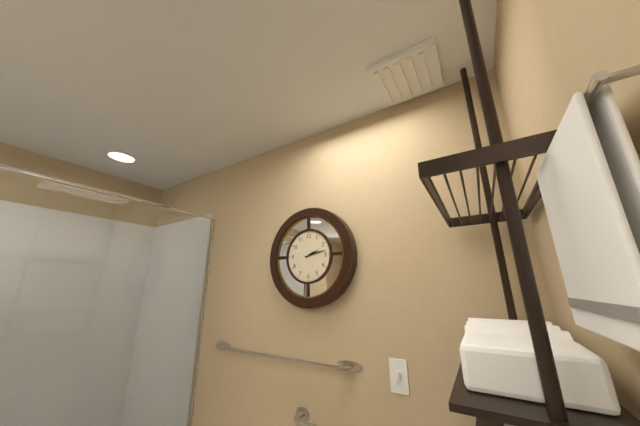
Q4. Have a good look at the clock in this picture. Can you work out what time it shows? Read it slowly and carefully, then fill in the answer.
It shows 2:13
